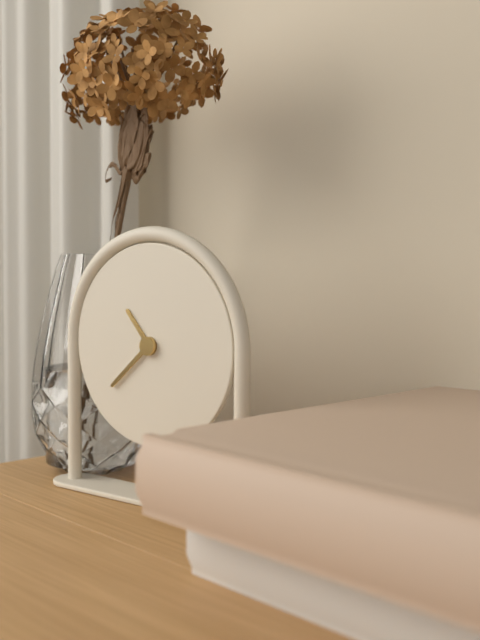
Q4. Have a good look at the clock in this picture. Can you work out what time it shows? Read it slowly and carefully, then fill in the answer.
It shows 10:38
